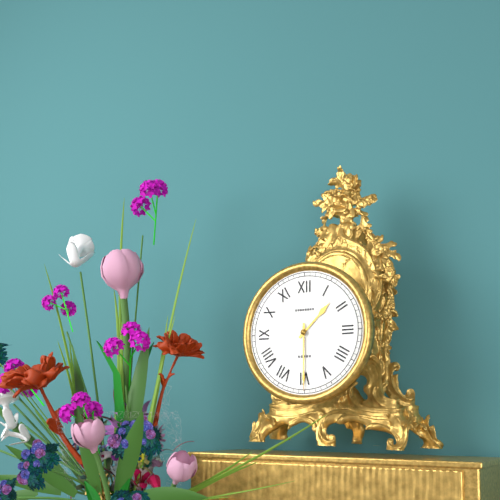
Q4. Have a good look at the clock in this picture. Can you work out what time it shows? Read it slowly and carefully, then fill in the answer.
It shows 1:30
